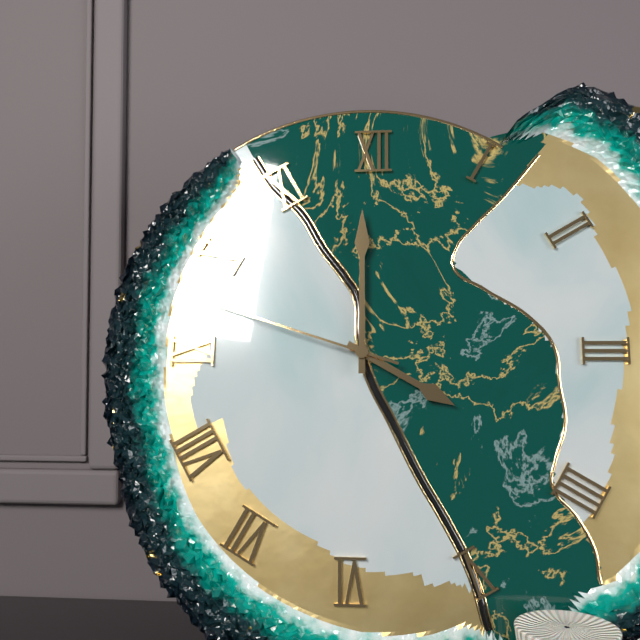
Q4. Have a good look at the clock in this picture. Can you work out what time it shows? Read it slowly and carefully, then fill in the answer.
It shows 4:00:48
